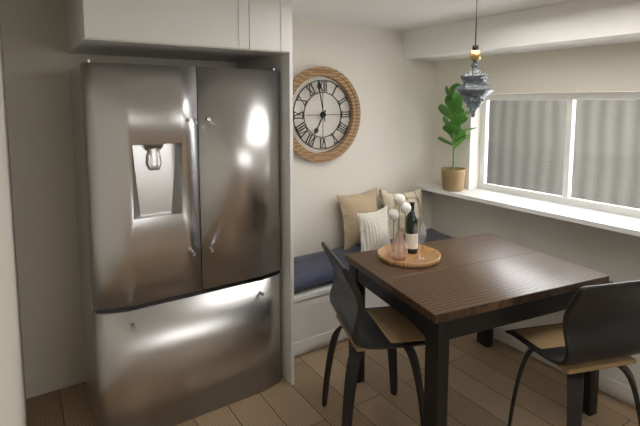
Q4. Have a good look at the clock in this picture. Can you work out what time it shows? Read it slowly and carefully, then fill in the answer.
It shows 6:58
